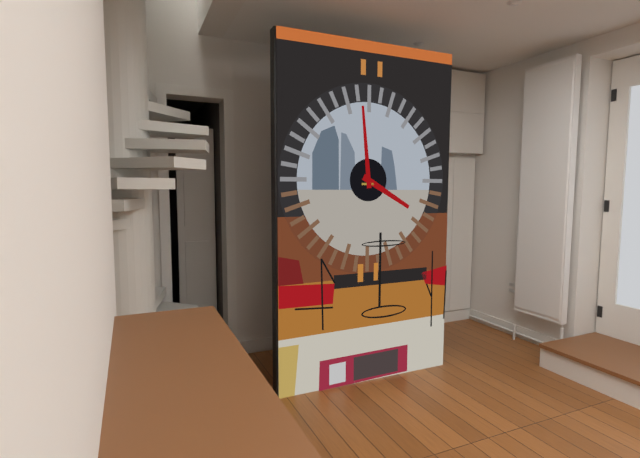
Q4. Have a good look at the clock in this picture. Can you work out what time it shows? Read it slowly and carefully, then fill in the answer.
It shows 3:59
